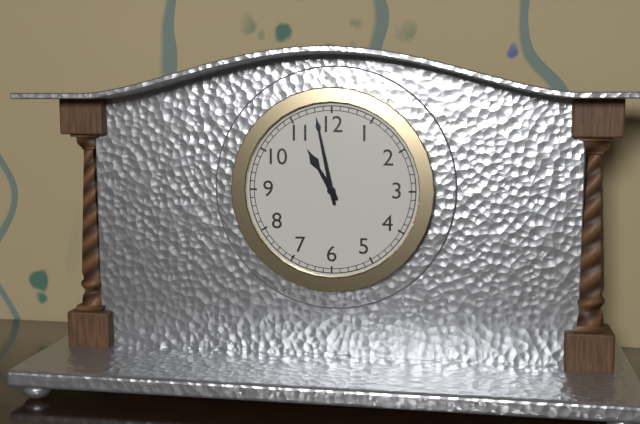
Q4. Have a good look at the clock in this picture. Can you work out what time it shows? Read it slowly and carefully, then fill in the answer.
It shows 10:58
